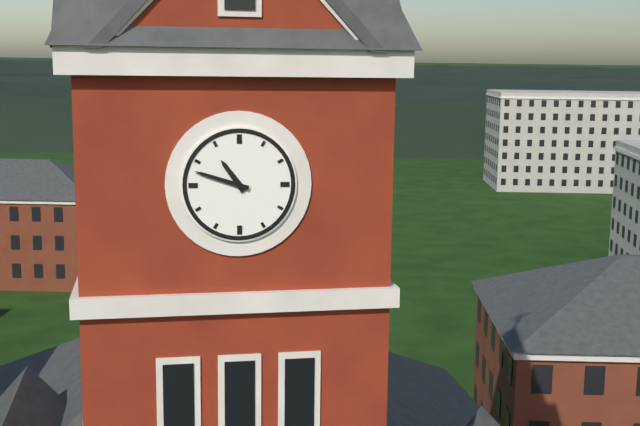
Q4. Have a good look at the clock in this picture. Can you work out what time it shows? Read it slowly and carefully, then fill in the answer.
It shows 10:48
